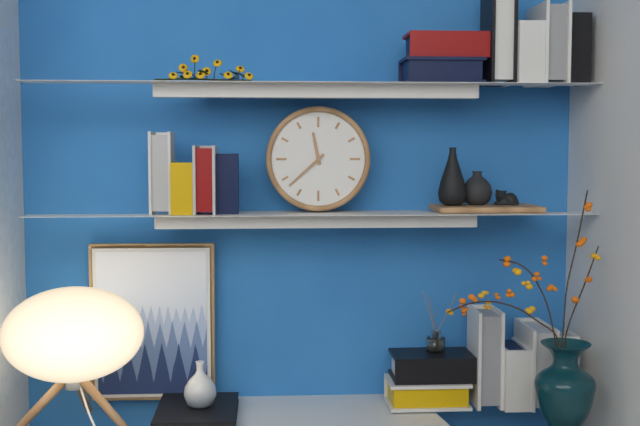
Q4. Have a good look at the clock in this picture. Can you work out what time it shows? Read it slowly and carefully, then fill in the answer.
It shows 11:38
